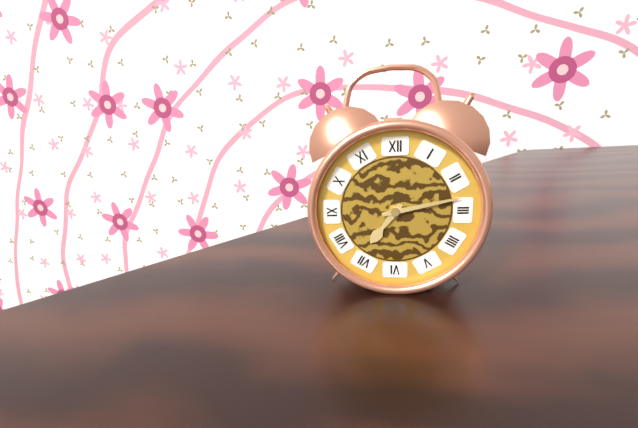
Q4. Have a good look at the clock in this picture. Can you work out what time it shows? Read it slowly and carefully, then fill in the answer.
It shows 7:13
